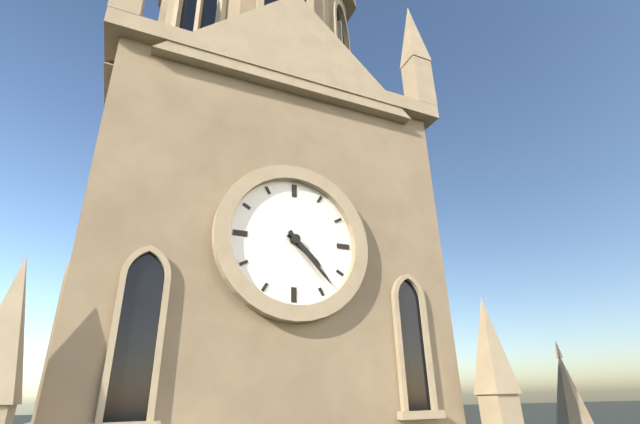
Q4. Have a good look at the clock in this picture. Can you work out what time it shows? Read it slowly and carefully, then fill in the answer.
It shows 4:23
